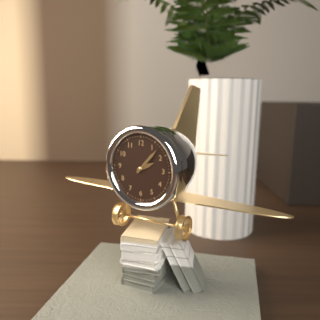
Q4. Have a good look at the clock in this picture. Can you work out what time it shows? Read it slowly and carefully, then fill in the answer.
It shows 2:07
